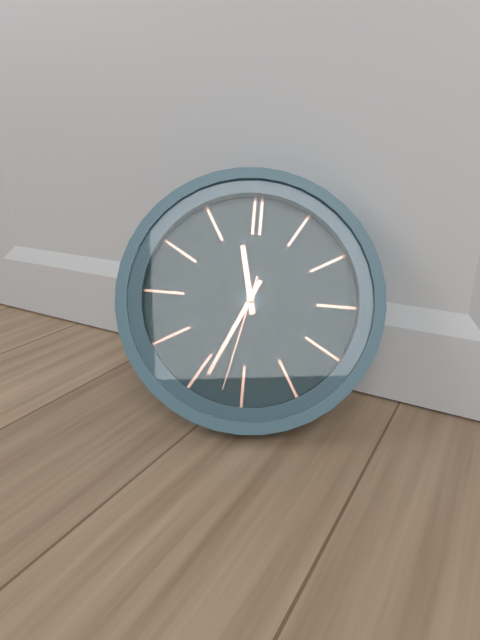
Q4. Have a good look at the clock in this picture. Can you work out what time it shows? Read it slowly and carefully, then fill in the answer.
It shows 11:34:32
